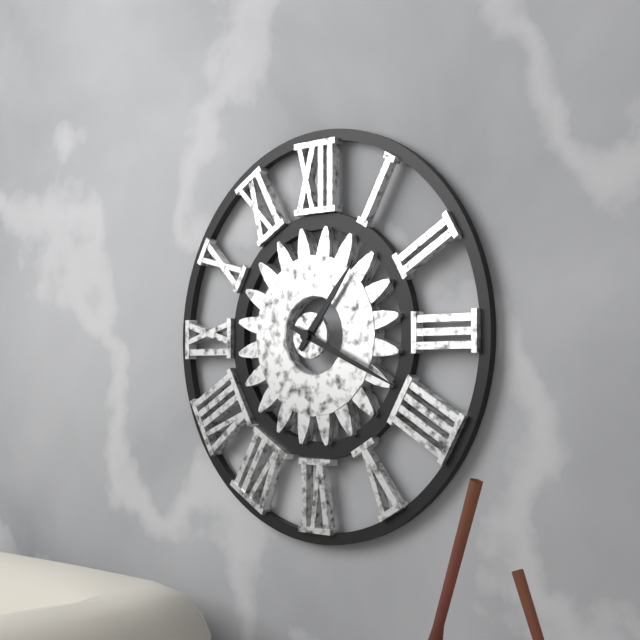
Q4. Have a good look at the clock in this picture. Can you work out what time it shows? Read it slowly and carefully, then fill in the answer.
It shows 1:19
